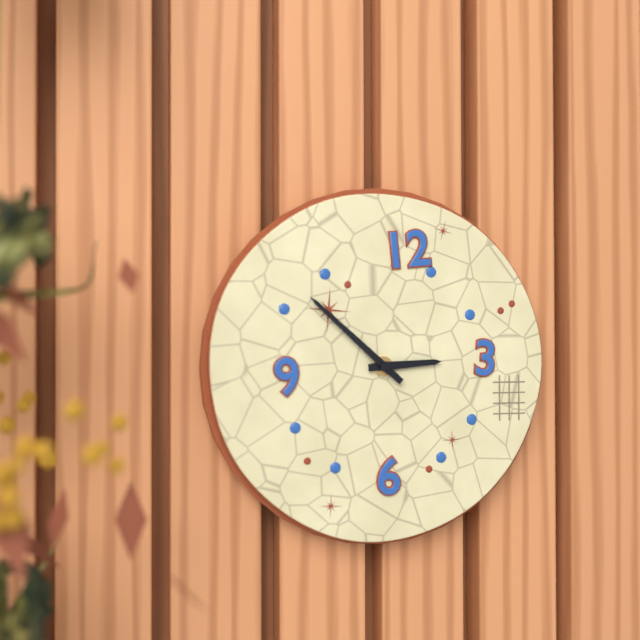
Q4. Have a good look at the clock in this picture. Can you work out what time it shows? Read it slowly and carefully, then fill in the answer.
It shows 2:52
